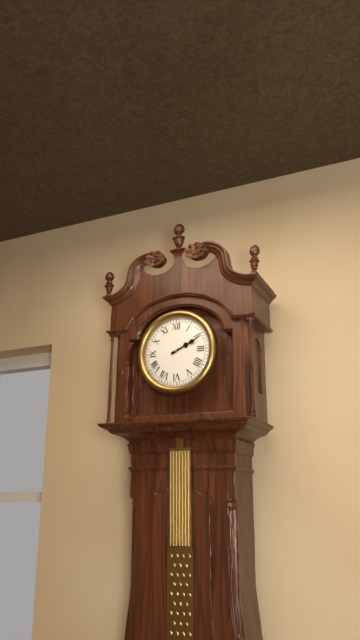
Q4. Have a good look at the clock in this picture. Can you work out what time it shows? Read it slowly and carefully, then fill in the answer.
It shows 2:11
